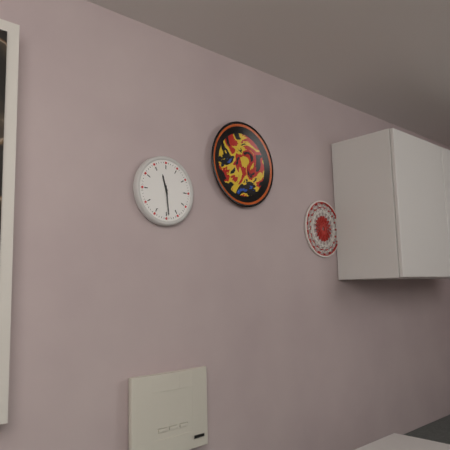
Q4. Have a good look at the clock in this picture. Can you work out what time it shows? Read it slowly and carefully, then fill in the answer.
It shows 11:29
